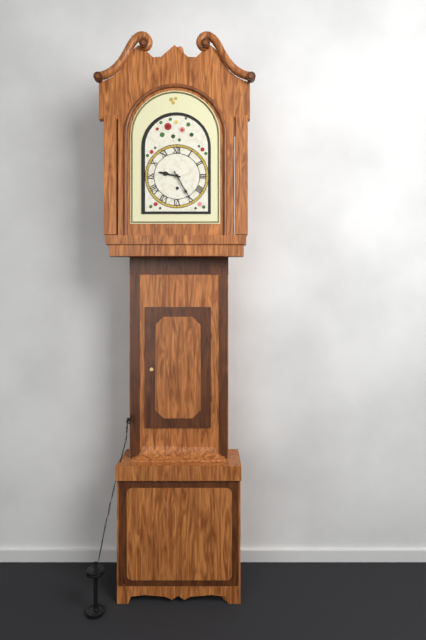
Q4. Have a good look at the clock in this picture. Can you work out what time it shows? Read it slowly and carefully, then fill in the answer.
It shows 9:25
